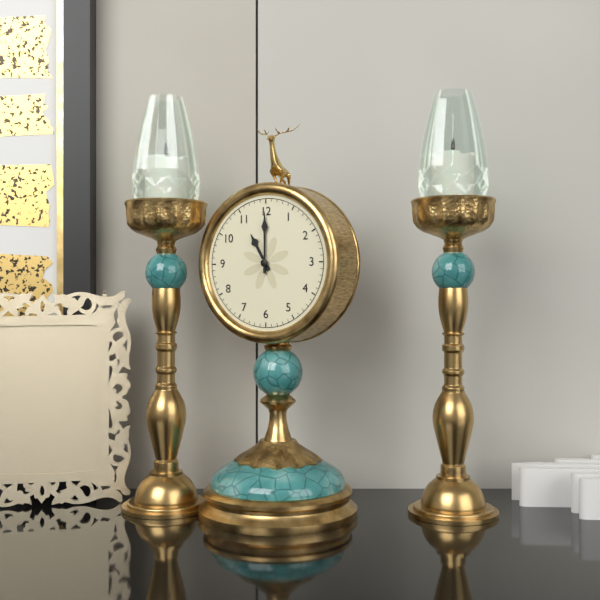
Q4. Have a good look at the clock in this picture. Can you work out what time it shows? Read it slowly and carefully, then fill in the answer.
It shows 11:00
